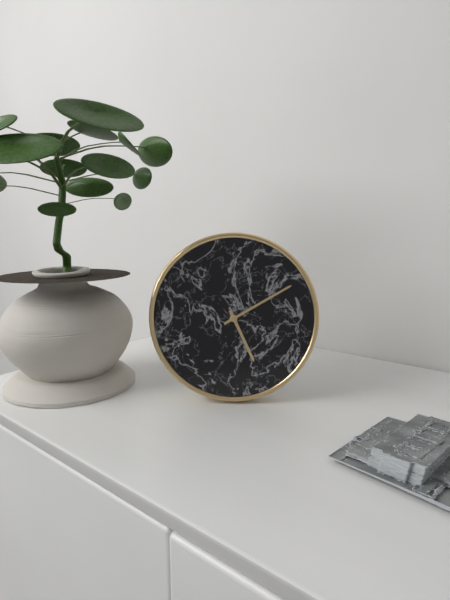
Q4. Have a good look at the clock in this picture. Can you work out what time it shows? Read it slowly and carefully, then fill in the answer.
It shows 5:10
